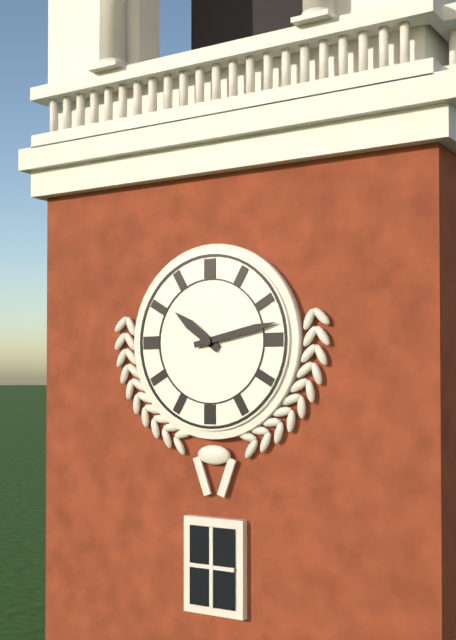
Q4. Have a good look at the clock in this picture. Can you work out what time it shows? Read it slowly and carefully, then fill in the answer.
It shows 10:13
